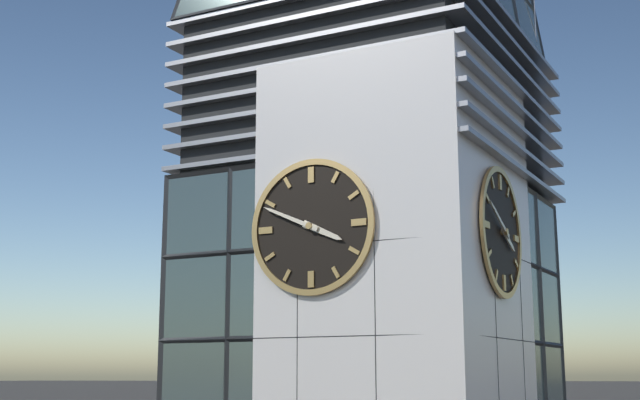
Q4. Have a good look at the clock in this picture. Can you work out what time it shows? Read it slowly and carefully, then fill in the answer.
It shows 3:49
